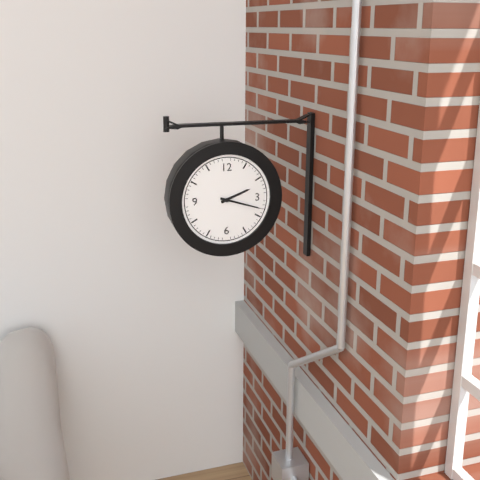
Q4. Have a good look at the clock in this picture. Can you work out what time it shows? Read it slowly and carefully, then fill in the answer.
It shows 2:18
